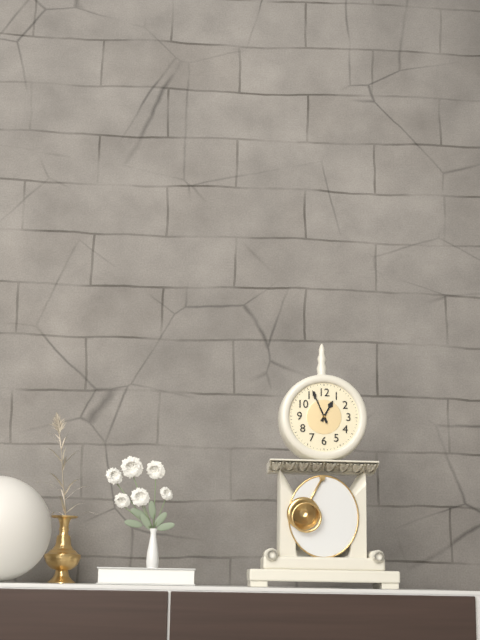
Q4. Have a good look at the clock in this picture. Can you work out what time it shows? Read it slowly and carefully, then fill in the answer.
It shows 12:56
